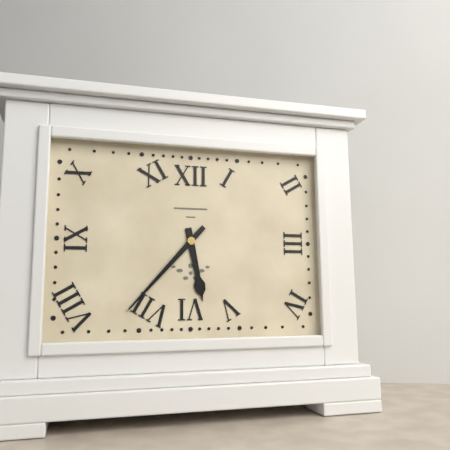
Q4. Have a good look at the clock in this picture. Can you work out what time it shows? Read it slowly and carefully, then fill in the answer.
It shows 5:37
